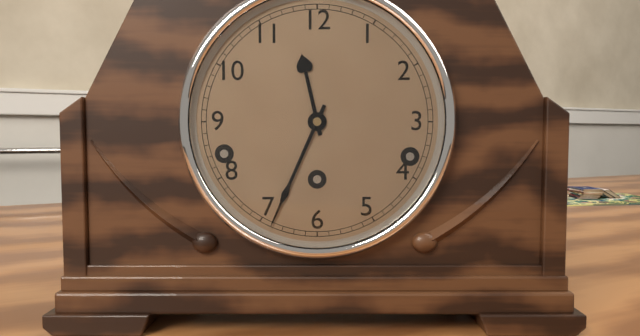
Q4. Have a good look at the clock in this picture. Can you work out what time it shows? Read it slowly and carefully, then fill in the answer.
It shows 11:34
